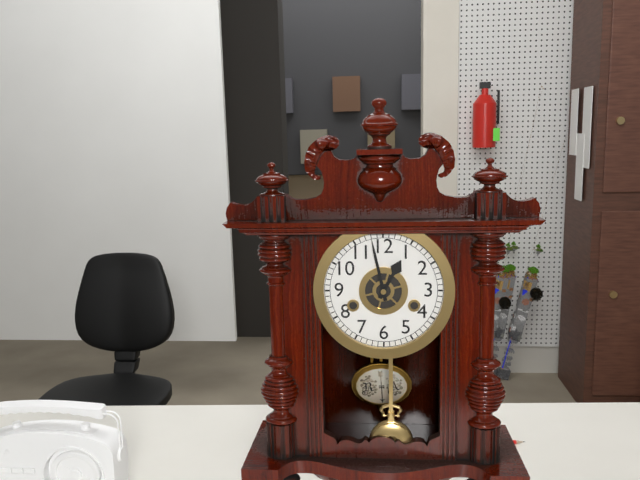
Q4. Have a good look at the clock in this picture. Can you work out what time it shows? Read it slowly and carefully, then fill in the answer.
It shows 12:58
